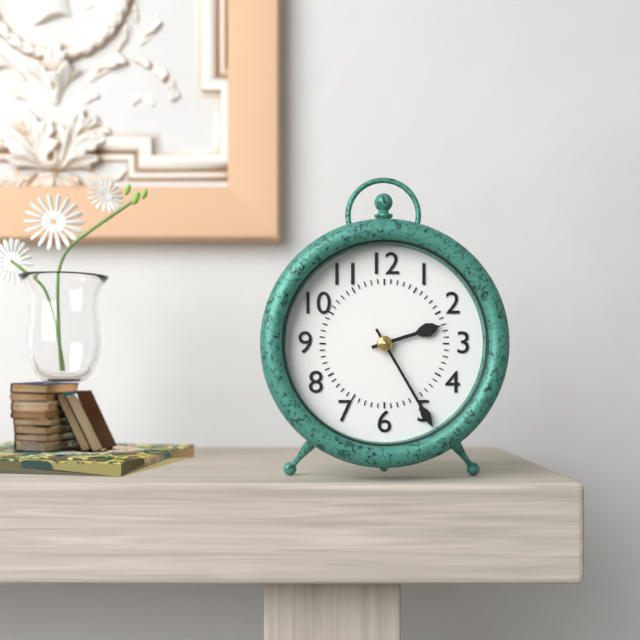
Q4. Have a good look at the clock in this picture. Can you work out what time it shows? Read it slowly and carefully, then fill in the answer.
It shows 2:25
